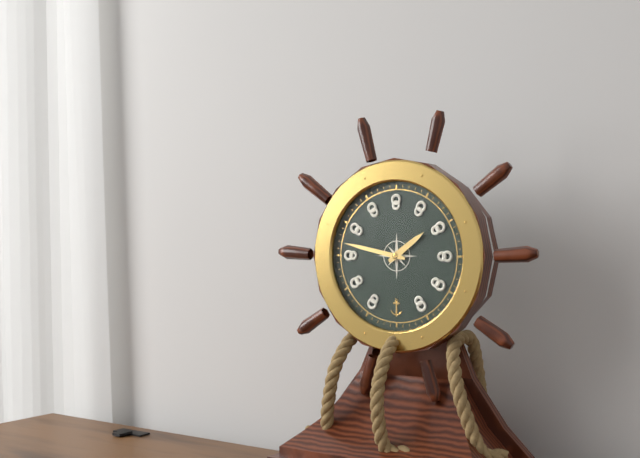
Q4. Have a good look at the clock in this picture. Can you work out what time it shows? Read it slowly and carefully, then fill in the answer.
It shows 1:47
